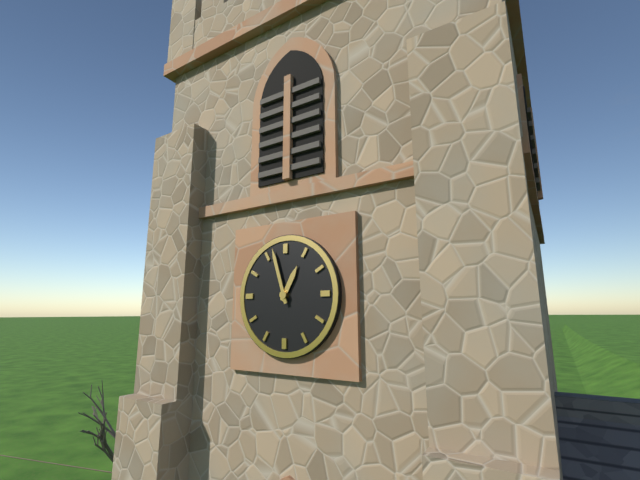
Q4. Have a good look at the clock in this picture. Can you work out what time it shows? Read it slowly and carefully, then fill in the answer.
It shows 12:57
